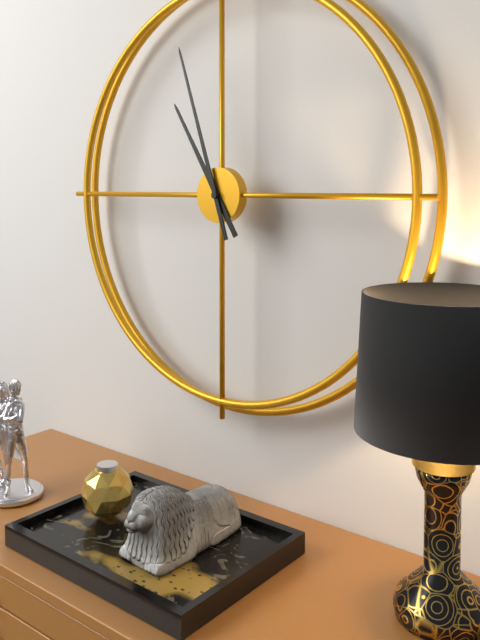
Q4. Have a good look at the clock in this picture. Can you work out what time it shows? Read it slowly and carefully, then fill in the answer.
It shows 10:57
